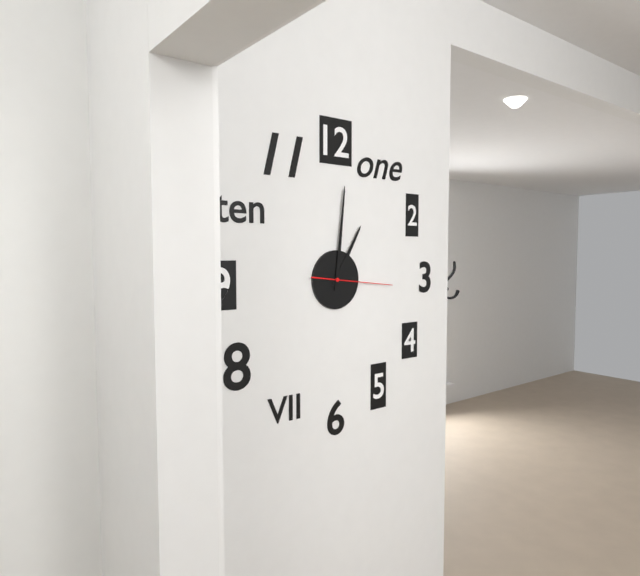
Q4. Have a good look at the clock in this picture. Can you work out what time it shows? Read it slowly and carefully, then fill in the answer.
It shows 1:01:16
